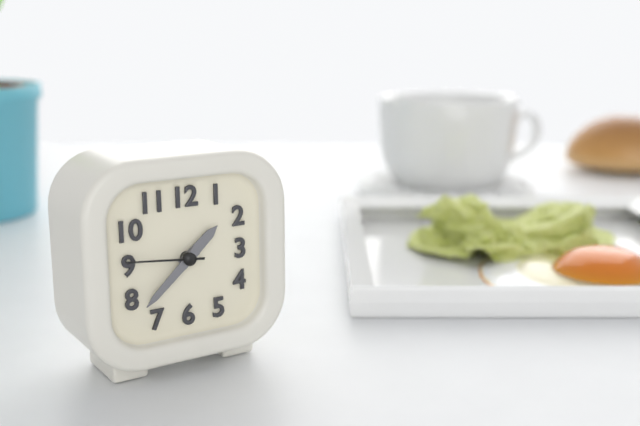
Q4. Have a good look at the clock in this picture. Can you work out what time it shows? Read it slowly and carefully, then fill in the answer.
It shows 1:38:46
